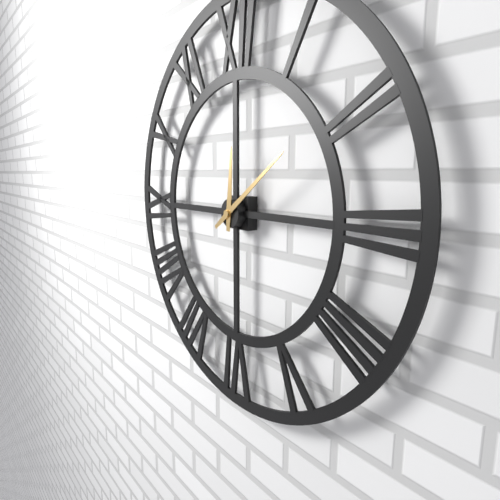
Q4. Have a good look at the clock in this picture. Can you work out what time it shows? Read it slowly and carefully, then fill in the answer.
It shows 12:09
